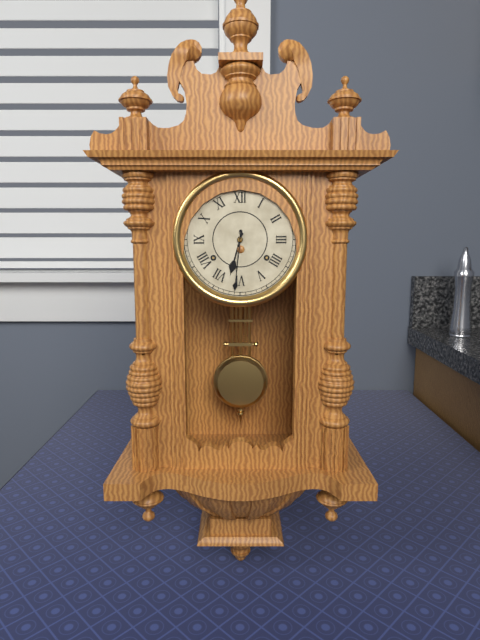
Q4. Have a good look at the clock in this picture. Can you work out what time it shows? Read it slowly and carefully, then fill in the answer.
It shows 6:31
